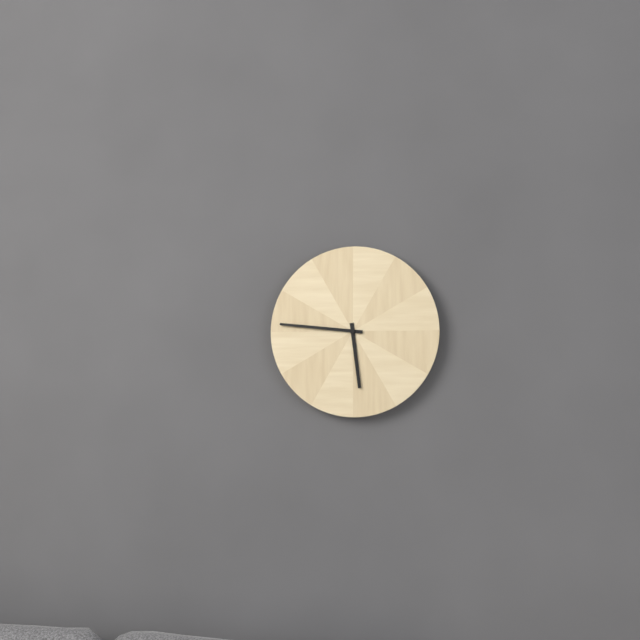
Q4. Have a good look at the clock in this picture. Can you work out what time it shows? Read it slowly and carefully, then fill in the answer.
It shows 5:46
